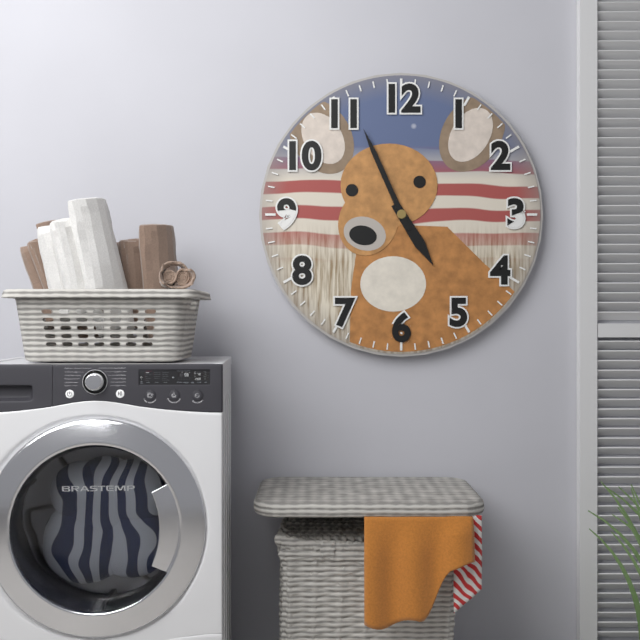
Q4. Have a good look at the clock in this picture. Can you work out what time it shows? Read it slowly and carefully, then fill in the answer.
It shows 4:56
